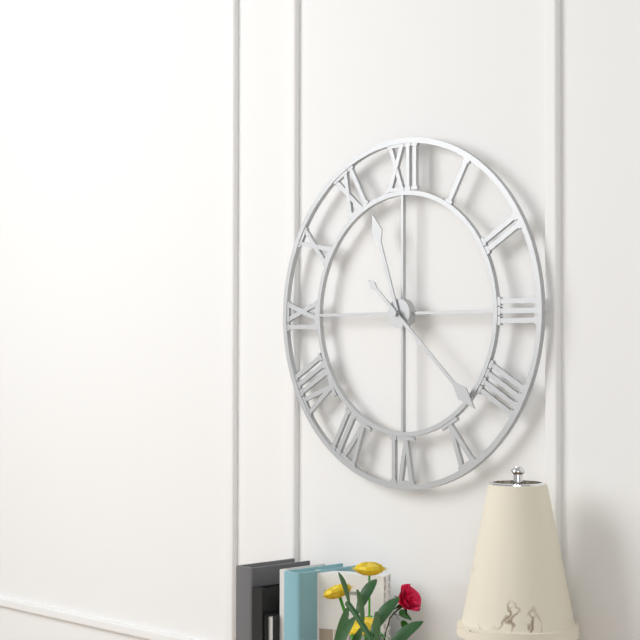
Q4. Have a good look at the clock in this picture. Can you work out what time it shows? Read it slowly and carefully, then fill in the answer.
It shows 11:22
